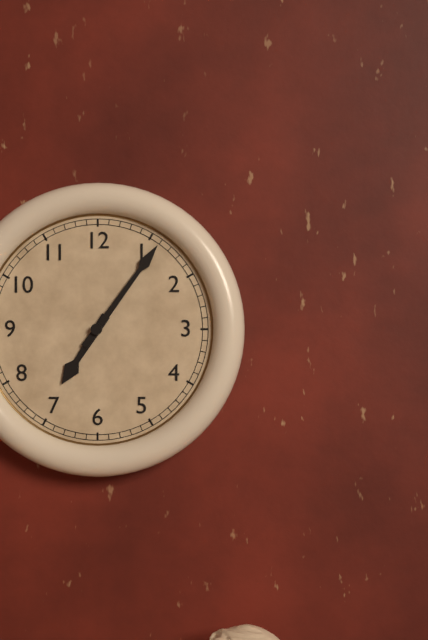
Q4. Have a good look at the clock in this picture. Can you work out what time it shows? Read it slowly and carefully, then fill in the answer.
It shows 7:06
